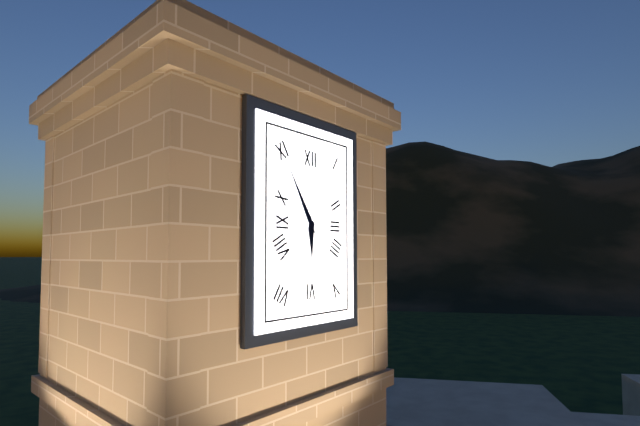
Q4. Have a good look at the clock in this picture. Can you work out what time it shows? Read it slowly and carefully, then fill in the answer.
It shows 5:55
